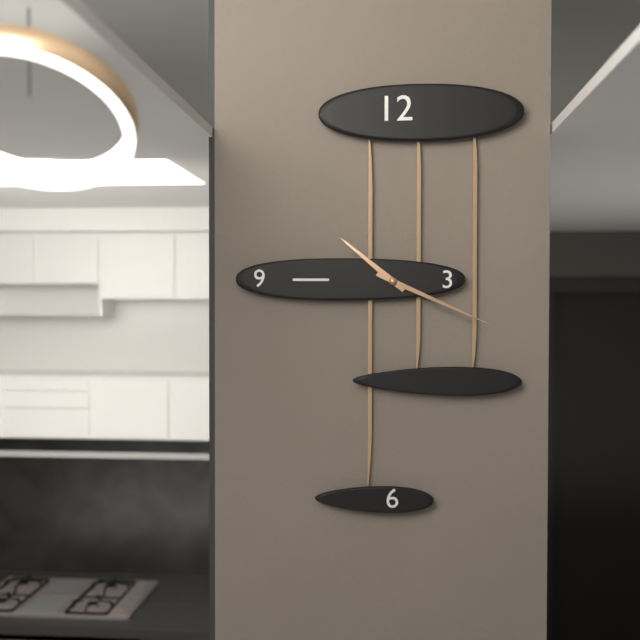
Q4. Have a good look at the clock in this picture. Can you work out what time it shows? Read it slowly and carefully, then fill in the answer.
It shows 10:19
